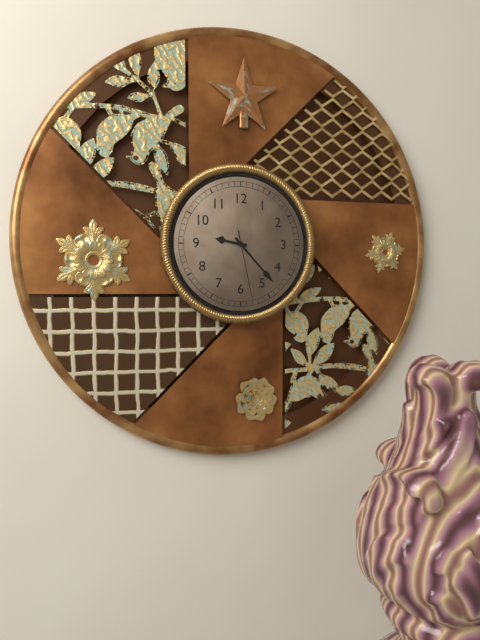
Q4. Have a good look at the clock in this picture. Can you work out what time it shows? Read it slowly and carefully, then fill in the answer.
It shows 9:23:28
